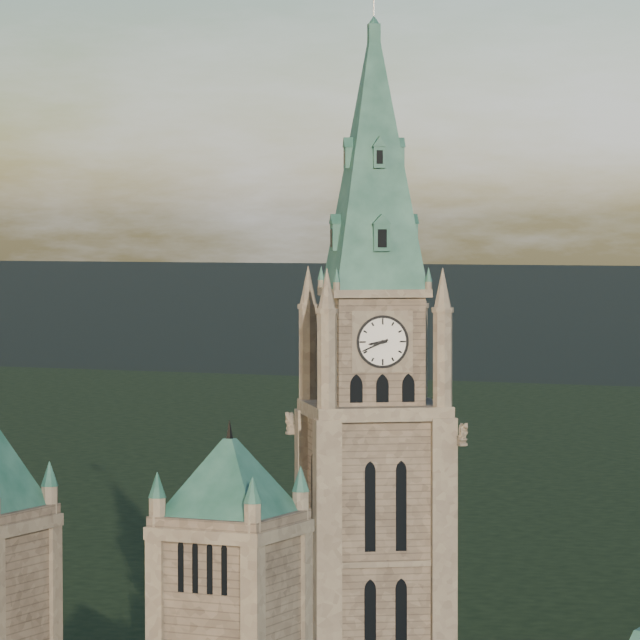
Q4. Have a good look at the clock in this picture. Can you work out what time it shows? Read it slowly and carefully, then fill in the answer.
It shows 8:41
